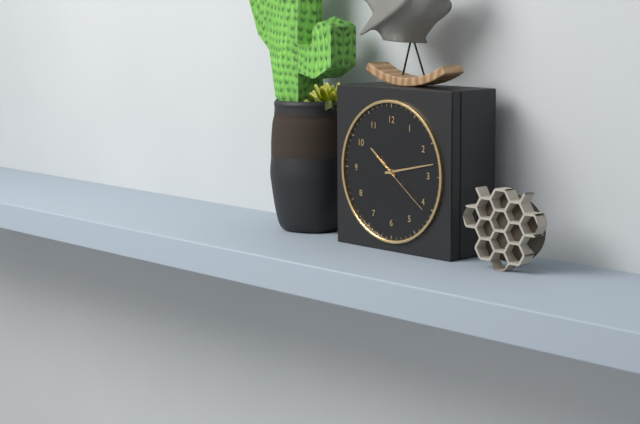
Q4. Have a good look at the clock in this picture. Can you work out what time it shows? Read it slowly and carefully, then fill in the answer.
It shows 10:13:21
